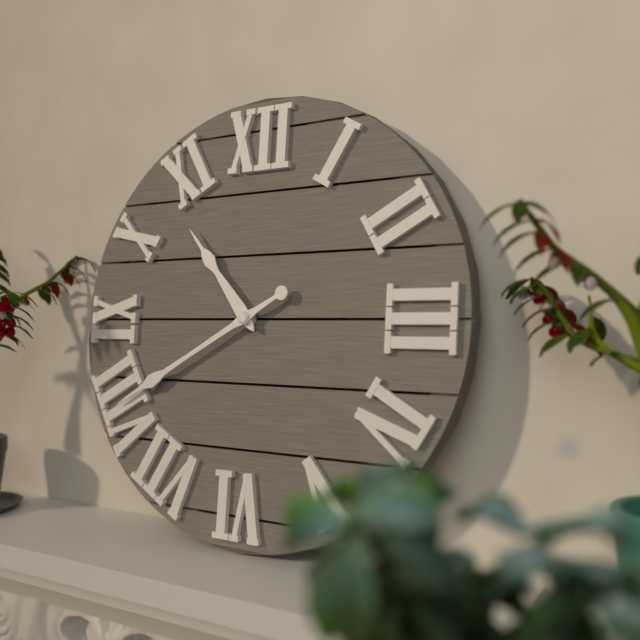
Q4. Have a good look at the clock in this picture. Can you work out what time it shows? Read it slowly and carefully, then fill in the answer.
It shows 10:40
